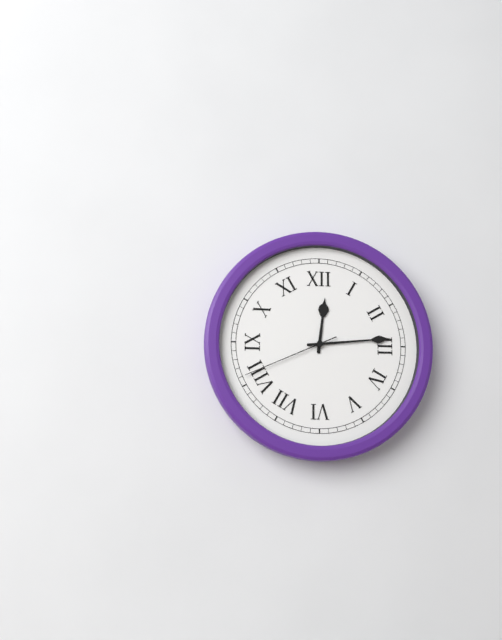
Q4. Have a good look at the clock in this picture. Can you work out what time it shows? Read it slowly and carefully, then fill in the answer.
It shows 12:14:41
